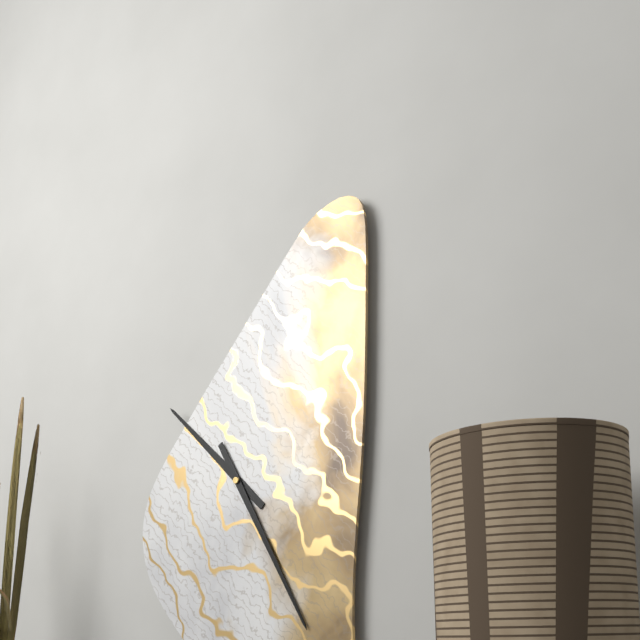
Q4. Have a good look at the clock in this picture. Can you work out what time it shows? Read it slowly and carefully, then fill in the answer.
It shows 10:25
